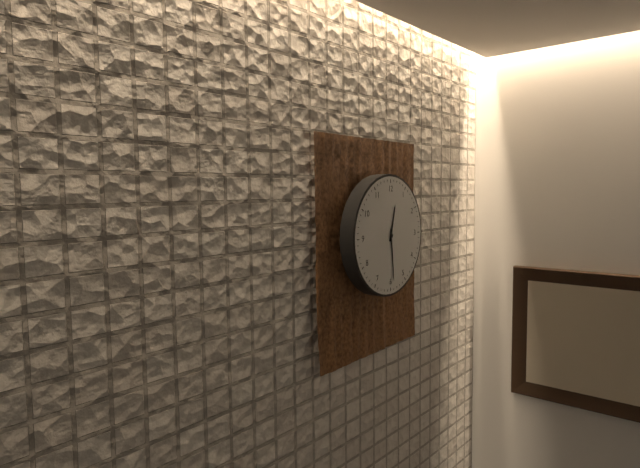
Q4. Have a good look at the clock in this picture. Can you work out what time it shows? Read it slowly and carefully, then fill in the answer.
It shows 12:29
